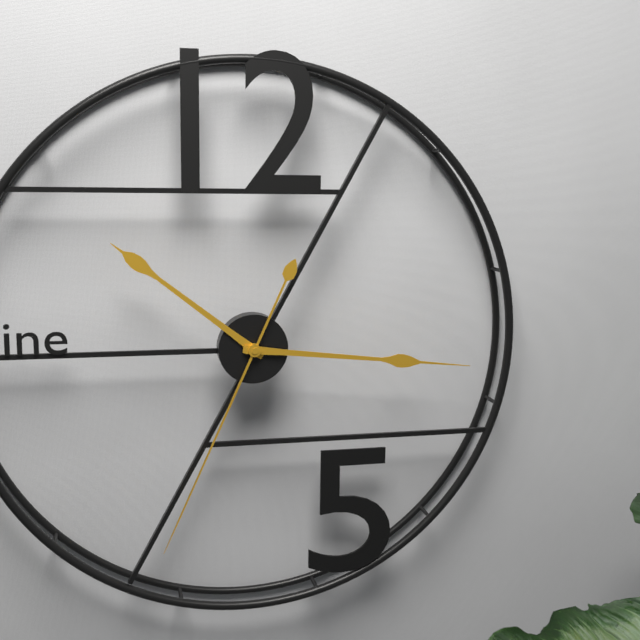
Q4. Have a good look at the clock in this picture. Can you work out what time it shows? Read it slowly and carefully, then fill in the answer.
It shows 10:16:34
